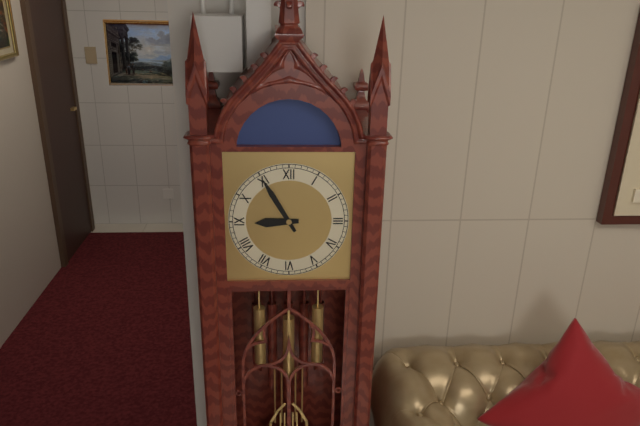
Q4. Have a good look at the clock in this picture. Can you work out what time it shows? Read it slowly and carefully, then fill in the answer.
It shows 8:55
